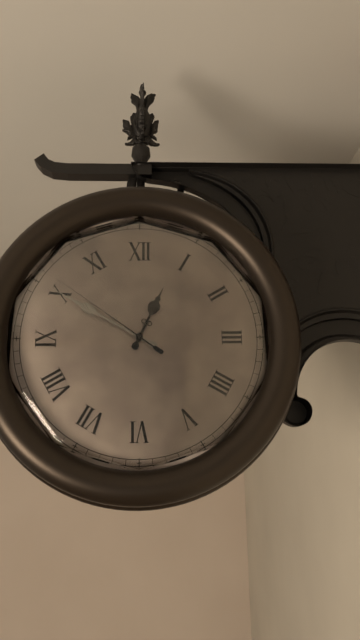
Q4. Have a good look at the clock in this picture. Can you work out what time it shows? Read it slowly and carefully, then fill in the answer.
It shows 12:50:51
